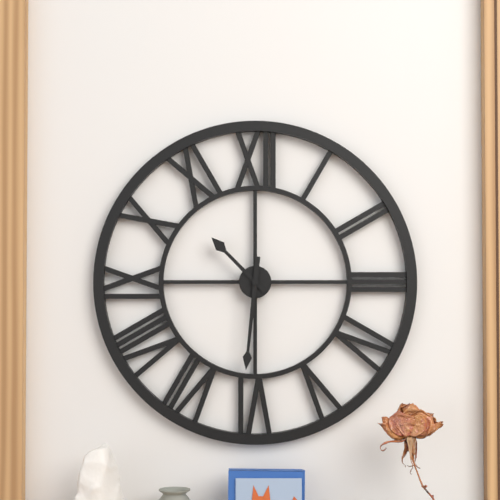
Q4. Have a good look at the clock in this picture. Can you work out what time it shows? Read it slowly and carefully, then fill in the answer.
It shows 10:31
